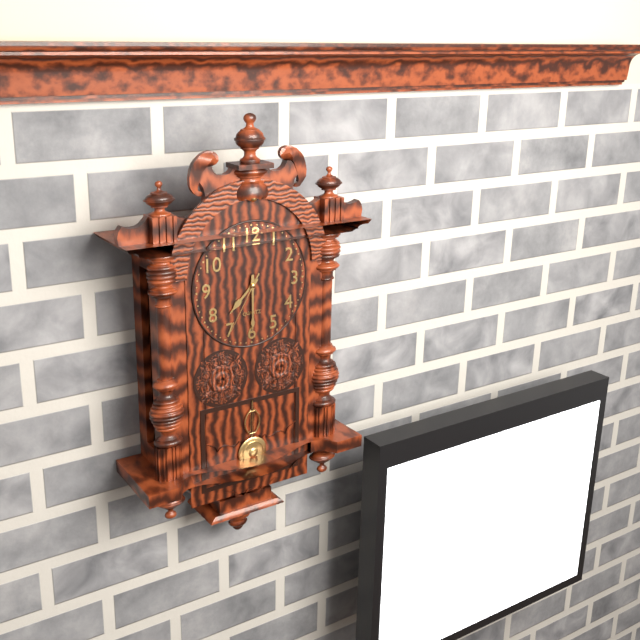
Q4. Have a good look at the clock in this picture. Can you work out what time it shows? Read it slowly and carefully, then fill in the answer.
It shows 7:30:35
